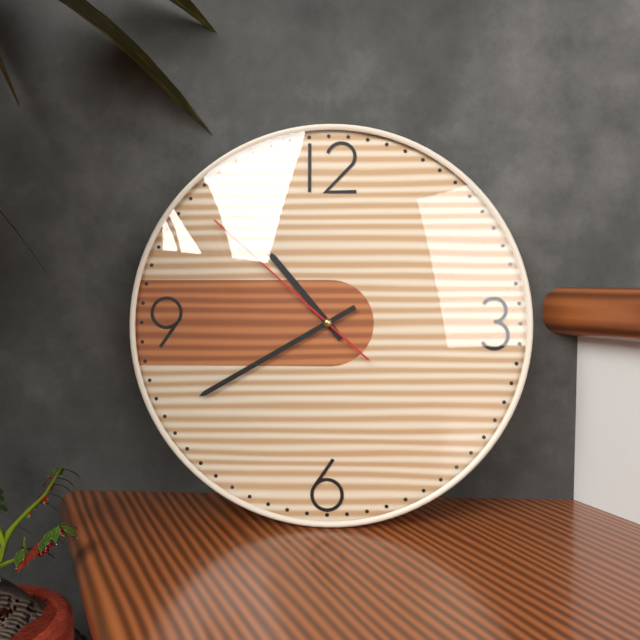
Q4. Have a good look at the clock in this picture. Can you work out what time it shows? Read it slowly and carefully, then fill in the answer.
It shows 10:40:52
